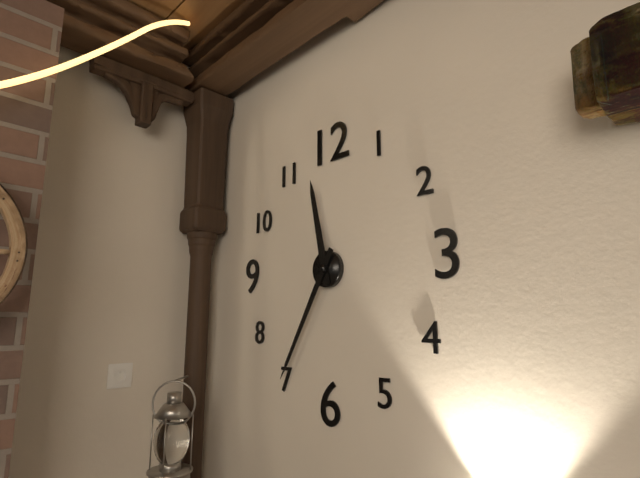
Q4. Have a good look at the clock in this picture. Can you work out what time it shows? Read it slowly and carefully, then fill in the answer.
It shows 11:35
